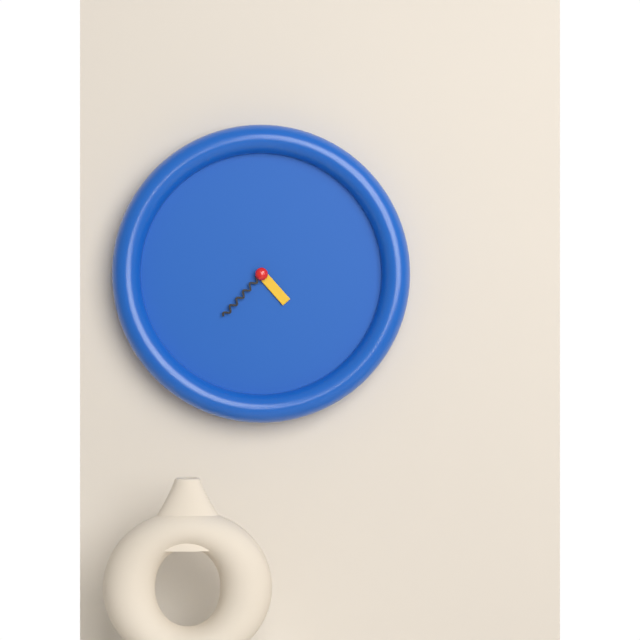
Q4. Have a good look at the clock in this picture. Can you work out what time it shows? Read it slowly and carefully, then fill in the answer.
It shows 4:37
